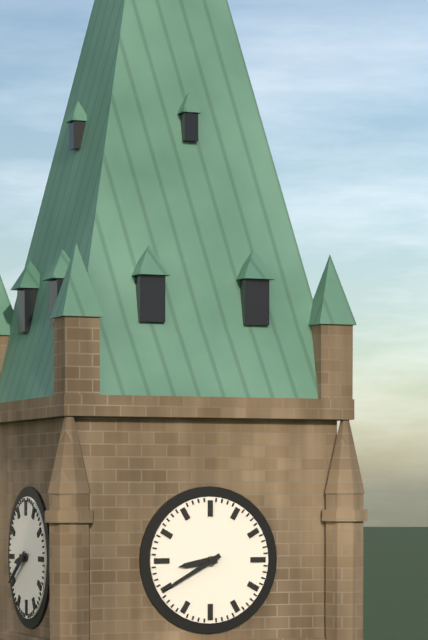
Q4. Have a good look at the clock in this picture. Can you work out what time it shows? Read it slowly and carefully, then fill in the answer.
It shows 8:40
